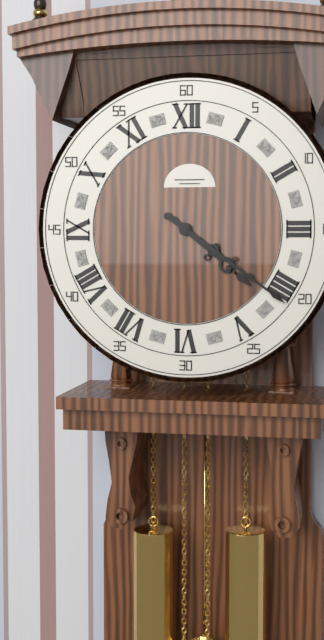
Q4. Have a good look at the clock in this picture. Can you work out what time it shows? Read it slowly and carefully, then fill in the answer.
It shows 4:21
